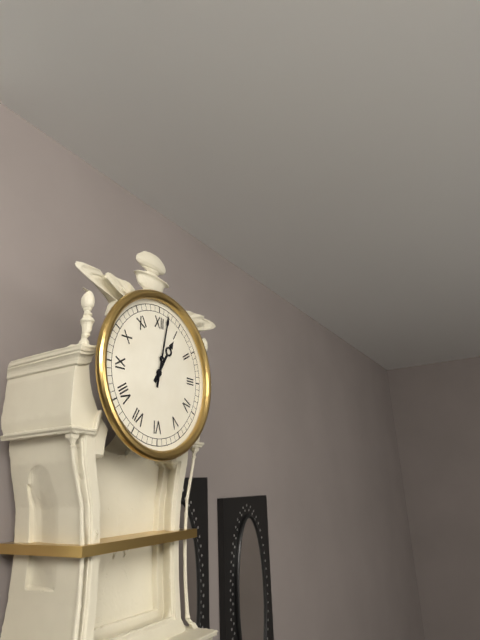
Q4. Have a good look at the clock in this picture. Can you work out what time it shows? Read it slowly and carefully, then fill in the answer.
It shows 1:02
